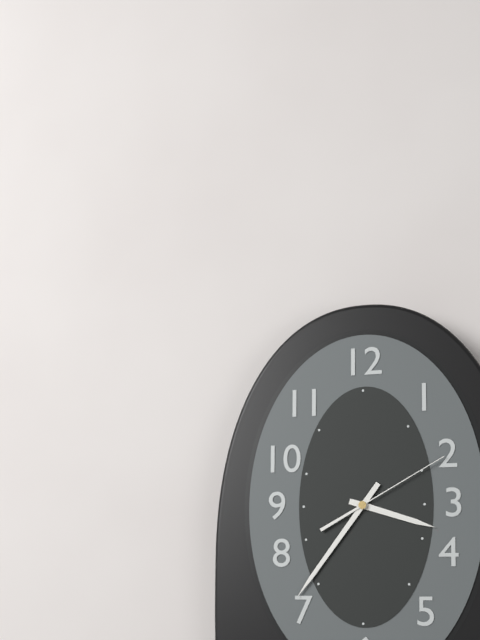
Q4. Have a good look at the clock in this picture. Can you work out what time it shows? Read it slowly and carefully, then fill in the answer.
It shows 3:36:10
